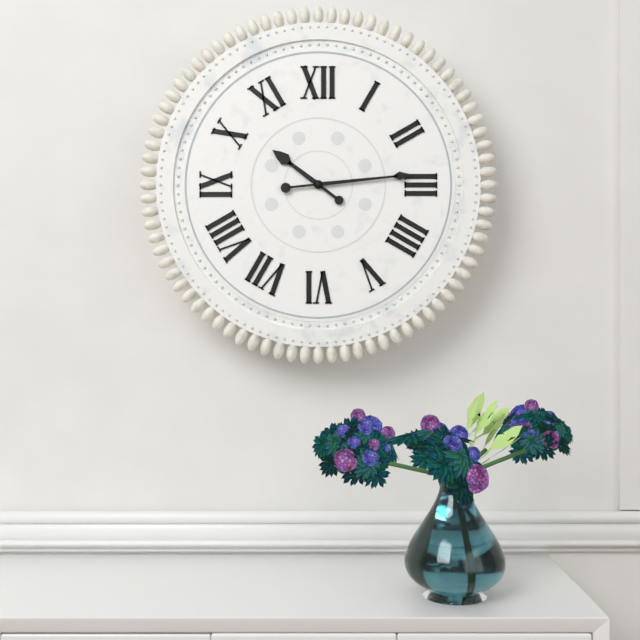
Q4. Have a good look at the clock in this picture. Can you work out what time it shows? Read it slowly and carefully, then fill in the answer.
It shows 10:14
